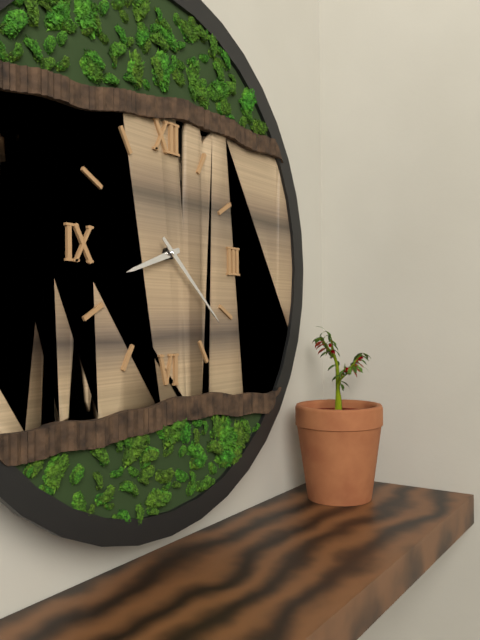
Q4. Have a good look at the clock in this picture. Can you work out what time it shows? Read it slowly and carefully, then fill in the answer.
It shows 8:22
